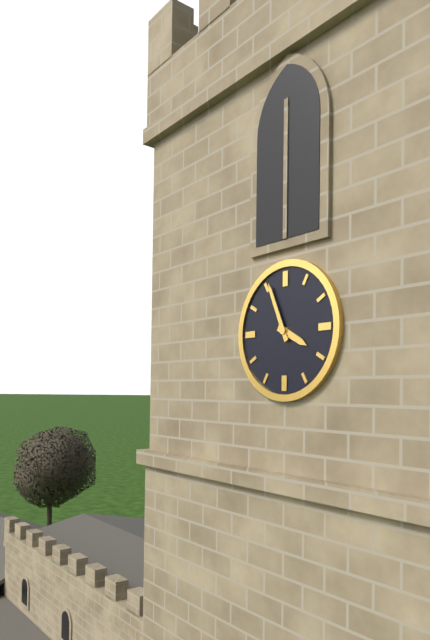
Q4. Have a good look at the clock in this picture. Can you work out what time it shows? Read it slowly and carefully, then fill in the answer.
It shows 3:56
